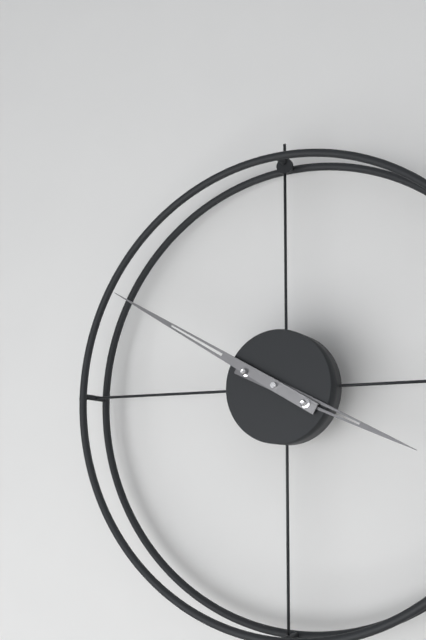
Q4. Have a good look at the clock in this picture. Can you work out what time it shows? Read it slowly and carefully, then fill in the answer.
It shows 3:50
